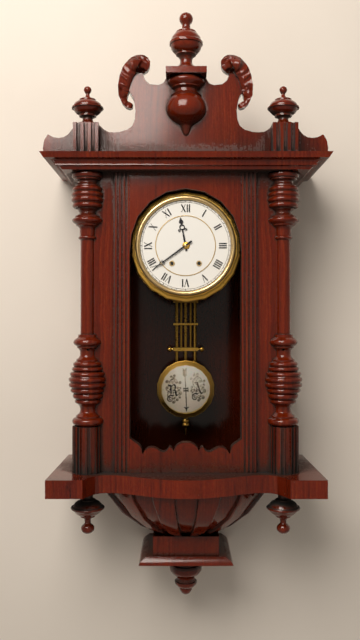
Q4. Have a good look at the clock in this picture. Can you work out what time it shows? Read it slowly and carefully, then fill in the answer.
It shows 11:39
